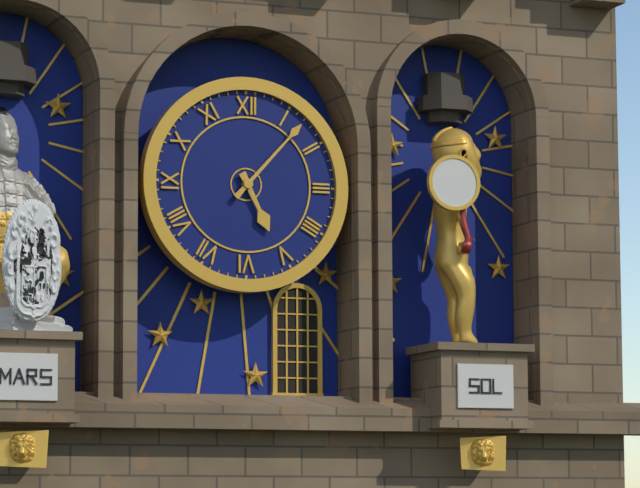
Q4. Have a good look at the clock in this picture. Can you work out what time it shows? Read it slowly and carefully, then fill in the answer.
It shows 5:07
